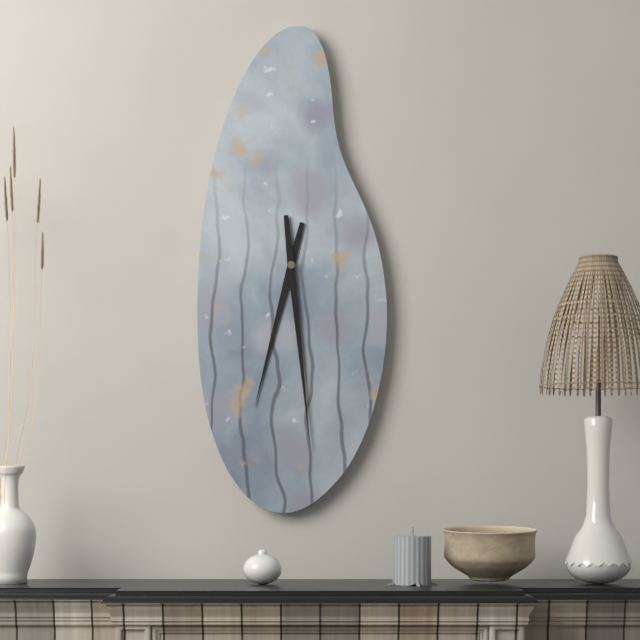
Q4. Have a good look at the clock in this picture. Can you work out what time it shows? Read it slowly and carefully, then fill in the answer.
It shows 6:29
